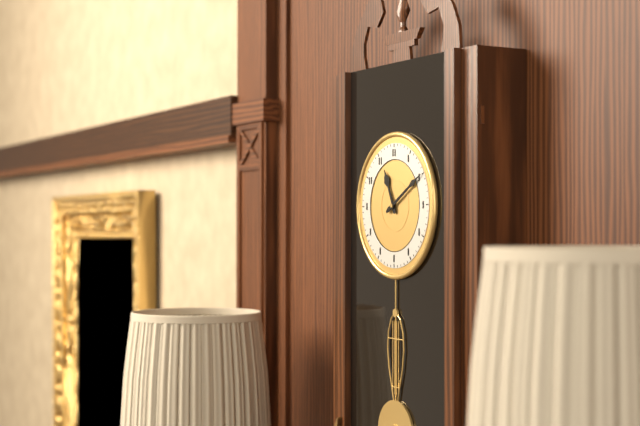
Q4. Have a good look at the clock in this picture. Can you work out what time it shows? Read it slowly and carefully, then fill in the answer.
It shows 11:10
